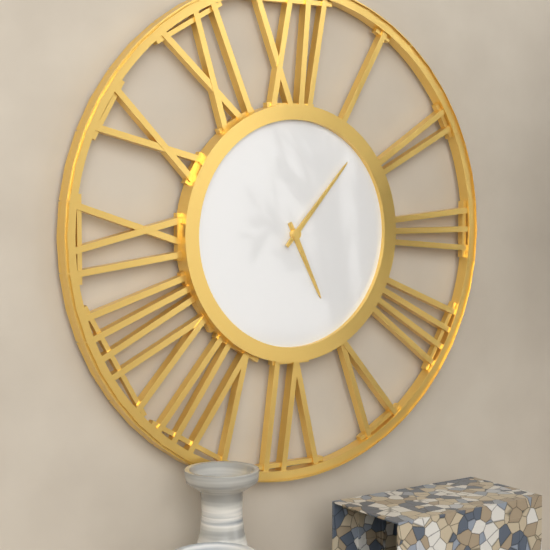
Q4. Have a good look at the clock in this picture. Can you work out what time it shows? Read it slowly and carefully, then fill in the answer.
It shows 5:07
